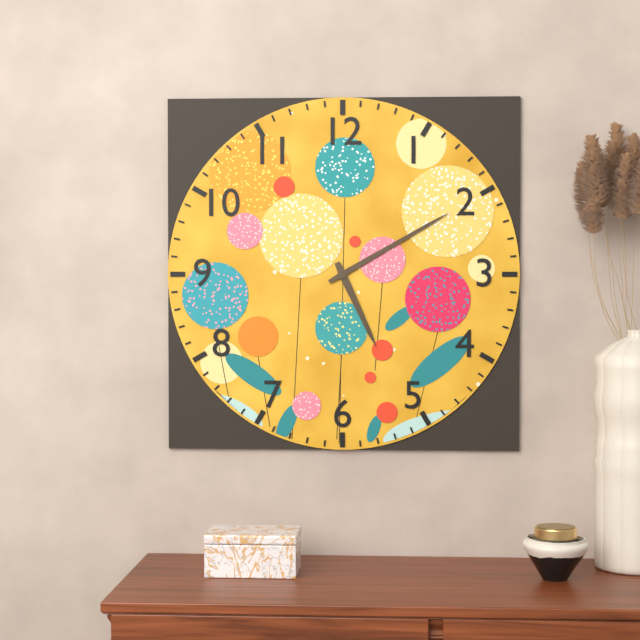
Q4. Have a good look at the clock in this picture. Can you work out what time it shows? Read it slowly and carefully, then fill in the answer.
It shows 5:10
